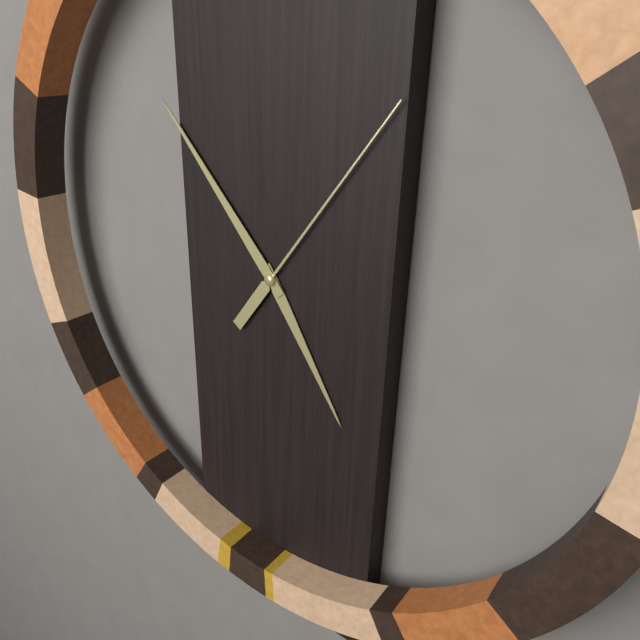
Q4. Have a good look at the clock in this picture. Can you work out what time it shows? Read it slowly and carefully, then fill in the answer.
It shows 4:53:06
